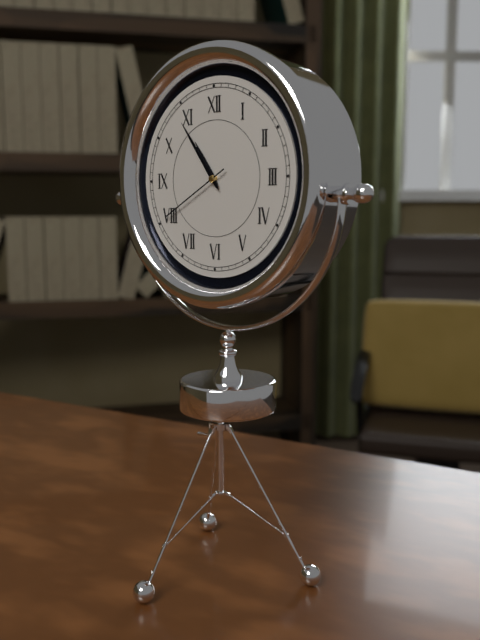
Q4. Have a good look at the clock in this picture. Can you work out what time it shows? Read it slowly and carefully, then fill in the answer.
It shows 10:54:40
